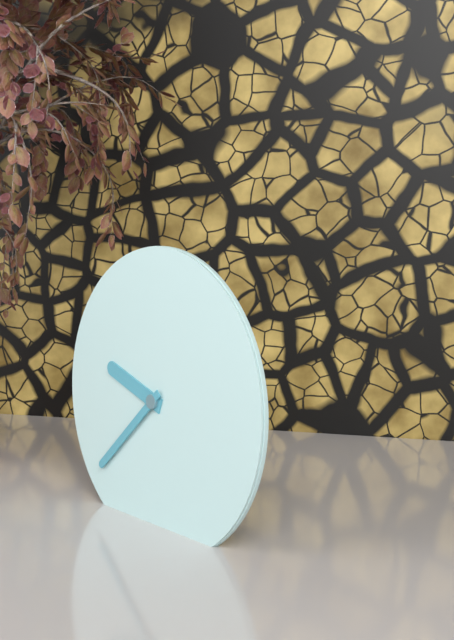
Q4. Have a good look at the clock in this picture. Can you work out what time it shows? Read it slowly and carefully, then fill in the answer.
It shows 9:38
